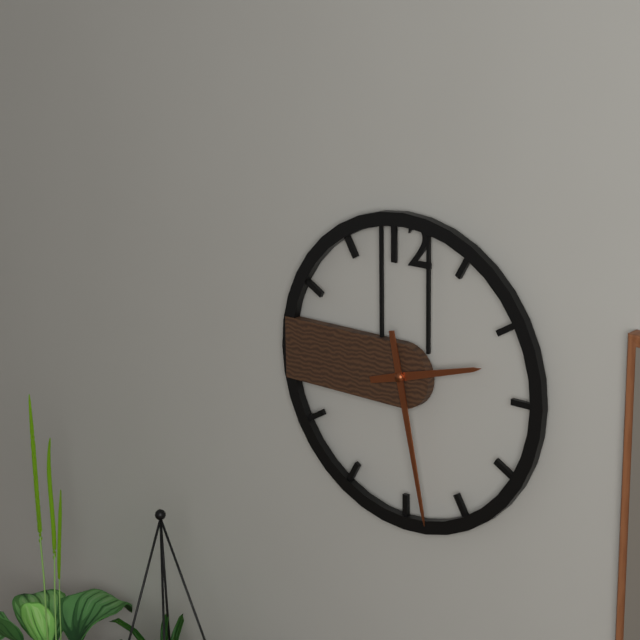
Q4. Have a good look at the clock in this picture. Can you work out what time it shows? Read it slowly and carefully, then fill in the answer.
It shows 2:28
